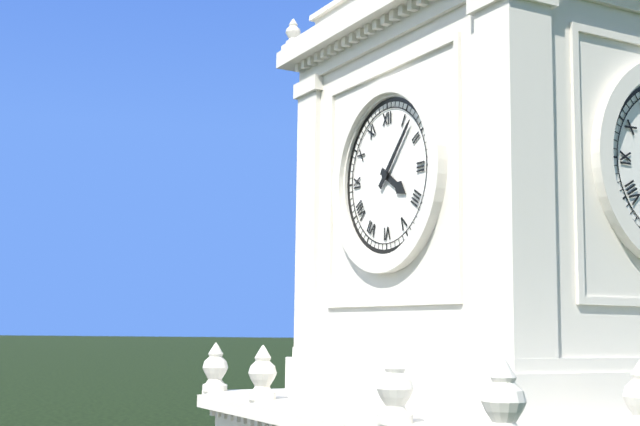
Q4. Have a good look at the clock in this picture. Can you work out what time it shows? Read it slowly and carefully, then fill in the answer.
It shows 4:07
